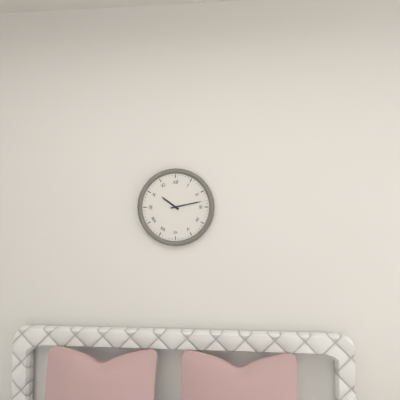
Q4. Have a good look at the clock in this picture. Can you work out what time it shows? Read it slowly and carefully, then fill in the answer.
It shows 10:13
